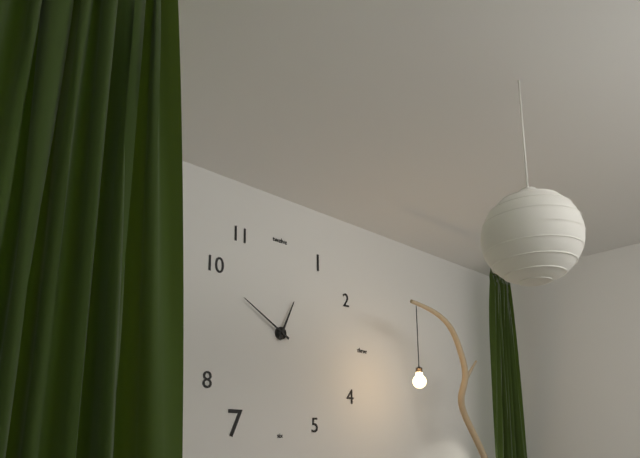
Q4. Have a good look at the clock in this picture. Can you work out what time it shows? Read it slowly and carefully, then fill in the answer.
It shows 12:50
